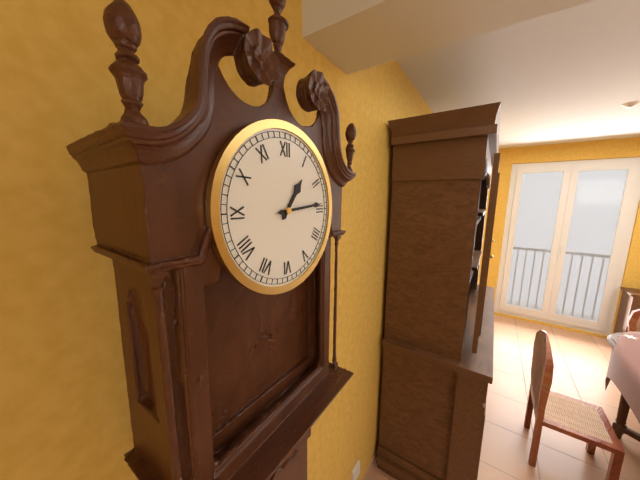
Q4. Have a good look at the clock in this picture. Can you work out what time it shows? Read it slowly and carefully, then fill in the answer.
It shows 1:14
